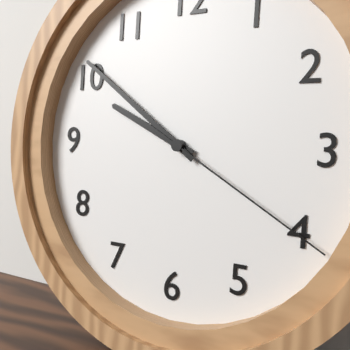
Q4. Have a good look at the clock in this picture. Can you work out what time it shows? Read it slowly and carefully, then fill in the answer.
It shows 9:51:20
